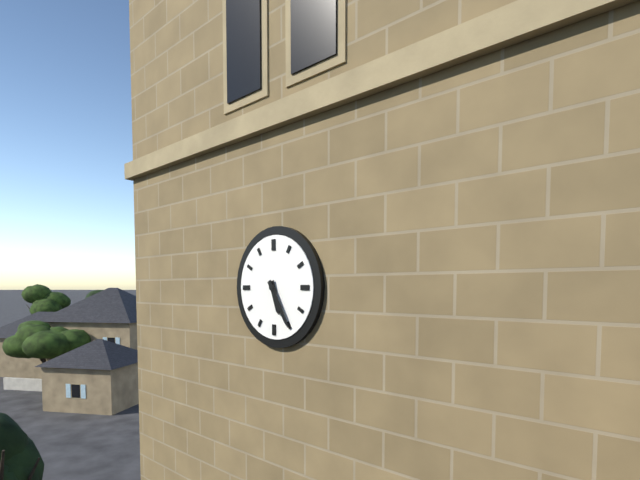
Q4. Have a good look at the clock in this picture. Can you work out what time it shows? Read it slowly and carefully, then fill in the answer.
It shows 5:25
